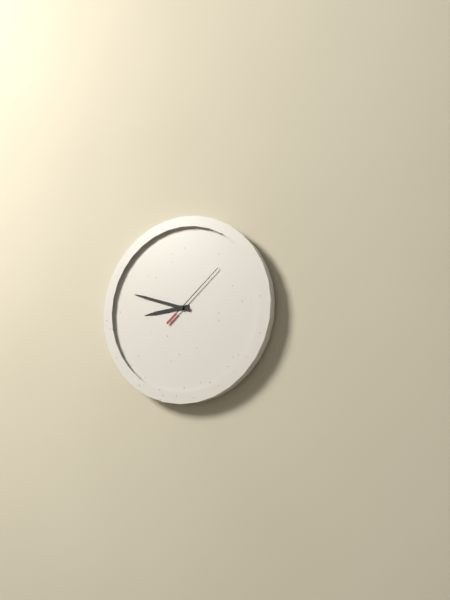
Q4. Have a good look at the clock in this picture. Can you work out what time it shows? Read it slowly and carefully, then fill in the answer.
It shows 8:48:08
